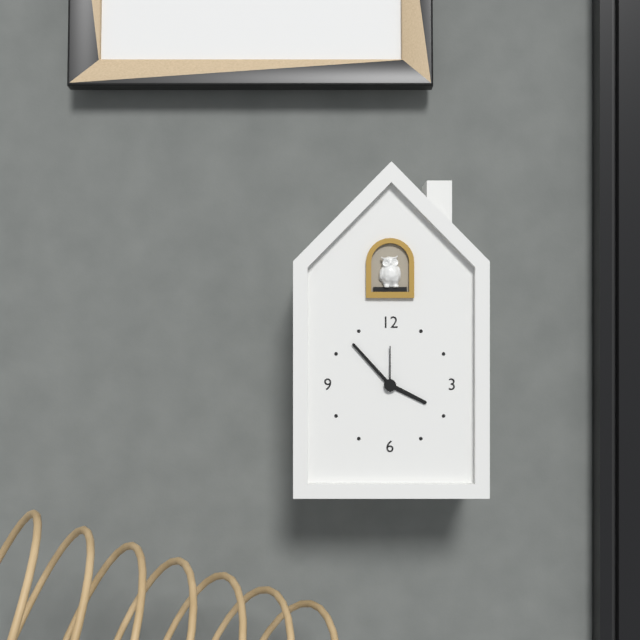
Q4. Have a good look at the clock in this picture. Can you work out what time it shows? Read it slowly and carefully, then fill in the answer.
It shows 3:53
